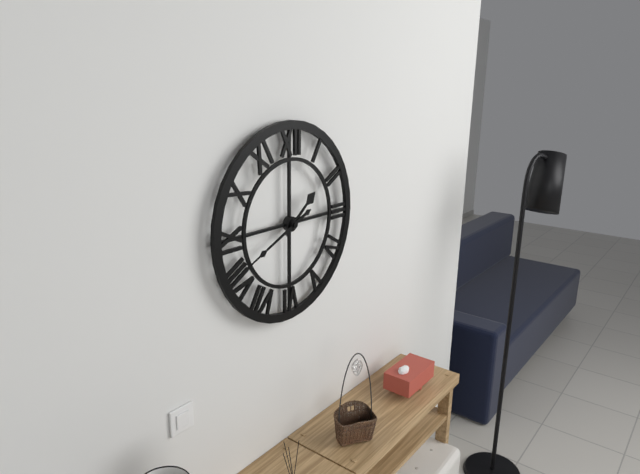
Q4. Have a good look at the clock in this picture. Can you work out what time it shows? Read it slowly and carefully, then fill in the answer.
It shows 1:41
